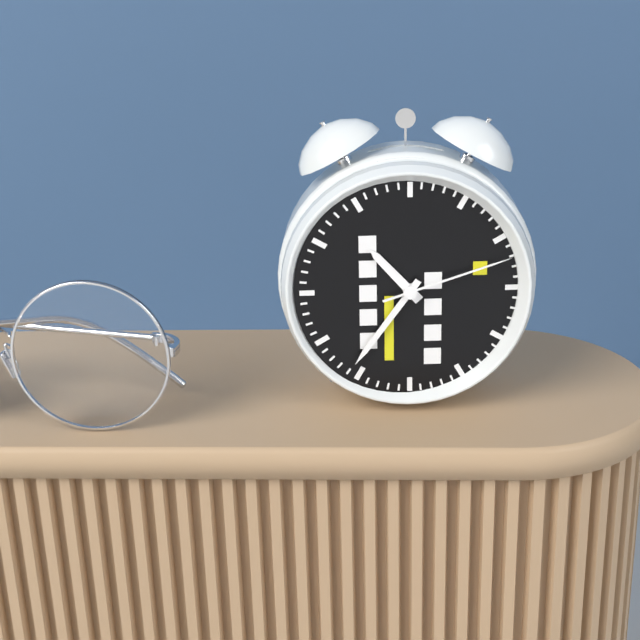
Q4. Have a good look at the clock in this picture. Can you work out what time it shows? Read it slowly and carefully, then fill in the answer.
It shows 10:36:12
